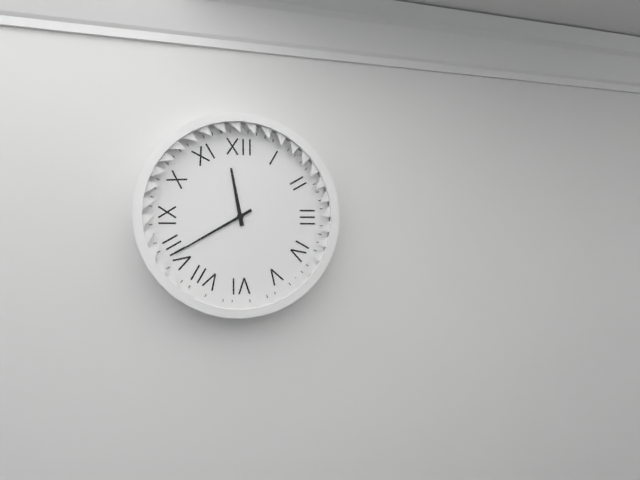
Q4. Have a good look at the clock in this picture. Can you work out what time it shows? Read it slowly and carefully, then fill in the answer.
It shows 11:40
